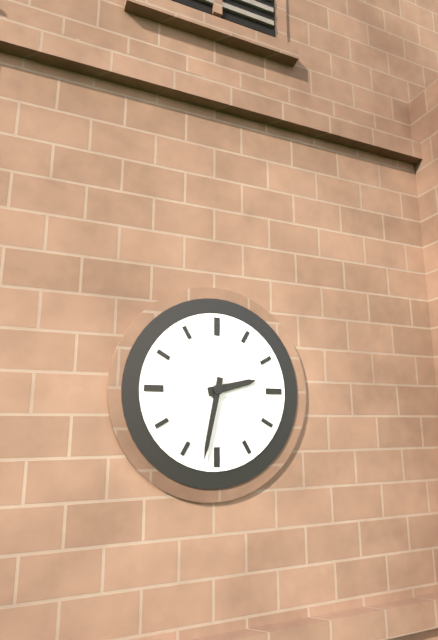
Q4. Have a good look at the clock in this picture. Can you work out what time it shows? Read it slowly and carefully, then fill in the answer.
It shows 2:32
